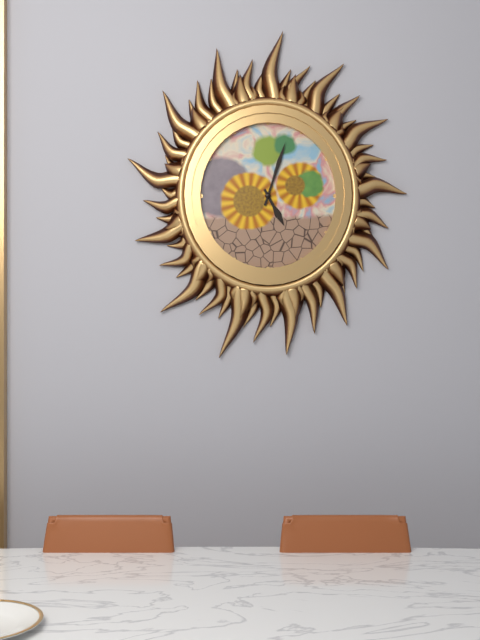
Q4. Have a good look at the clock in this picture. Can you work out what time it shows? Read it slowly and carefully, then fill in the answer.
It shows 5:03
